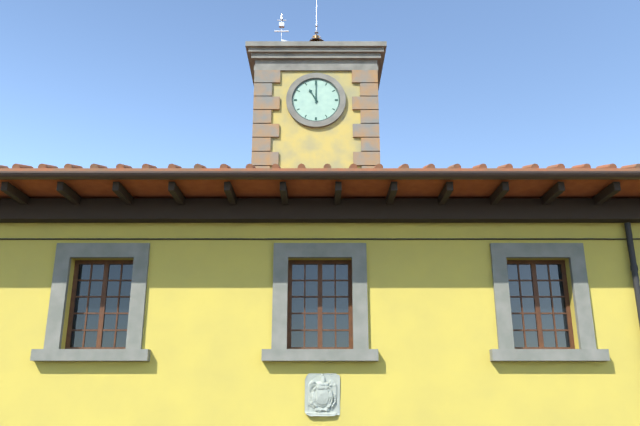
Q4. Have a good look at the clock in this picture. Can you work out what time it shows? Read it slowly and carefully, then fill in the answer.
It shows 11:00
